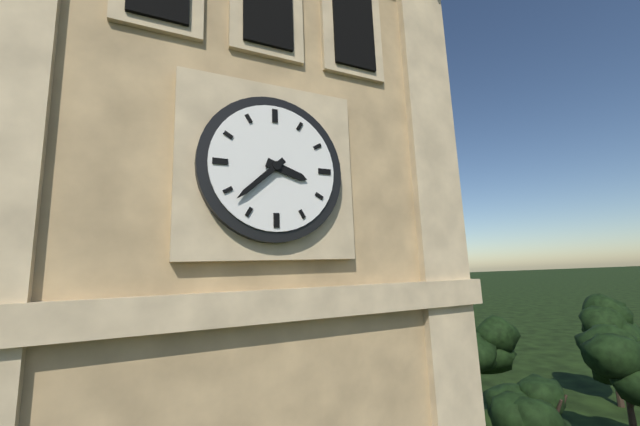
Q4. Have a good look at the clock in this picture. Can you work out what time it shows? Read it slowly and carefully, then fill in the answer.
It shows 3:38
